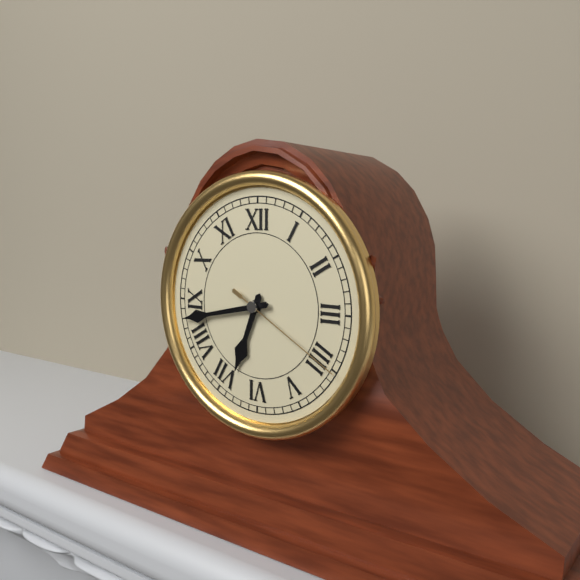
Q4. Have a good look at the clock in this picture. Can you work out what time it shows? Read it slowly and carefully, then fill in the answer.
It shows 6:43:20
